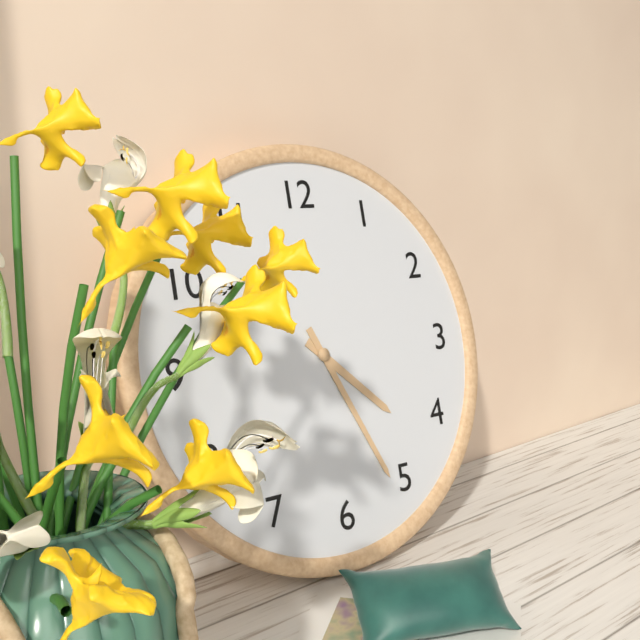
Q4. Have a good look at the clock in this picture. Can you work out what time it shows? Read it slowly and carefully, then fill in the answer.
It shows 4:26
